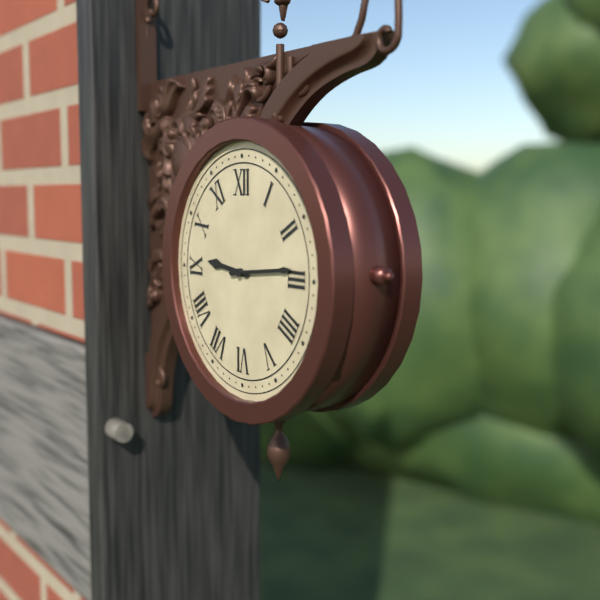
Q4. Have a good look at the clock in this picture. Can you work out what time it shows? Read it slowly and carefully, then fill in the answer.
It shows 9:14
